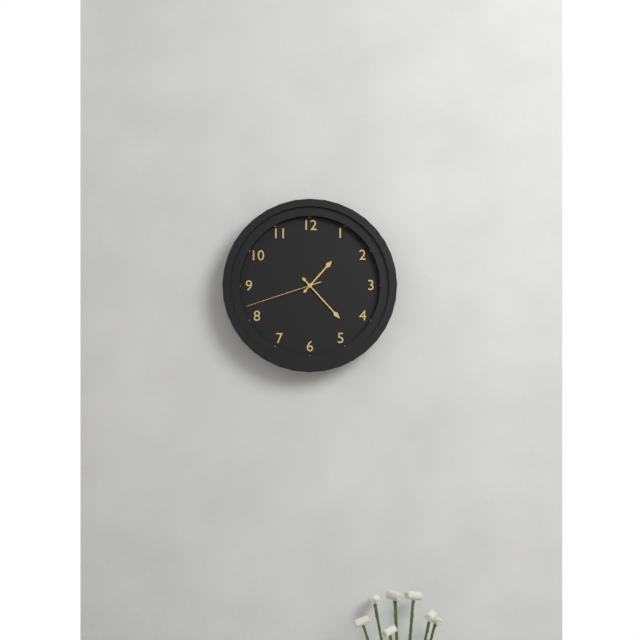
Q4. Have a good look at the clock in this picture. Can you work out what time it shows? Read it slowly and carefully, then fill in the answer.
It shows 1:23:42
